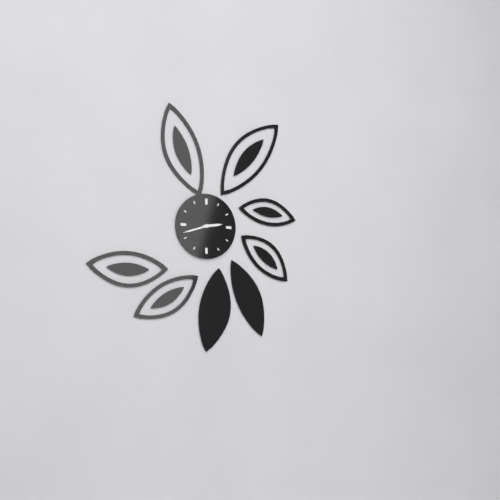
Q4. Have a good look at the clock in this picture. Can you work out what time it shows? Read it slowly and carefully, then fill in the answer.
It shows 2:42
